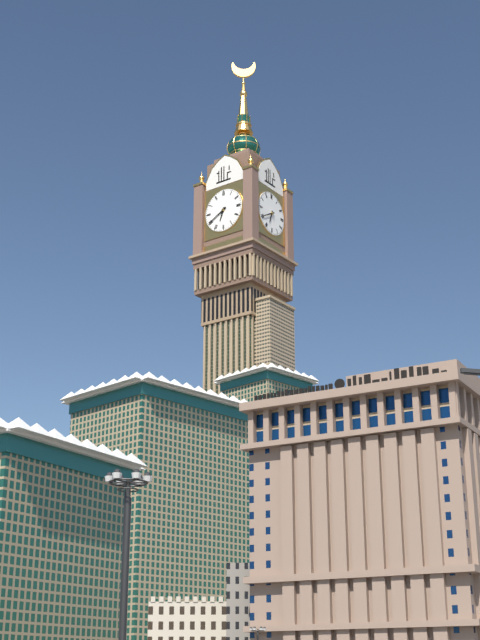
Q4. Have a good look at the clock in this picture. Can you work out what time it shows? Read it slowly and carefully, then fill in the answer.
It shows 6:40
